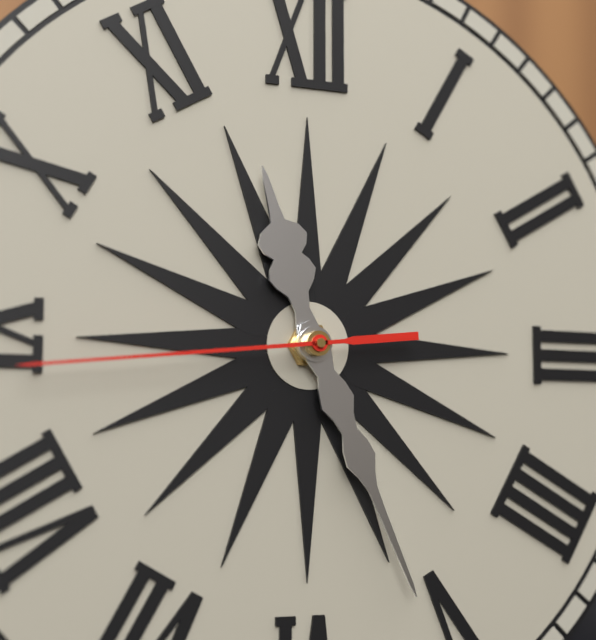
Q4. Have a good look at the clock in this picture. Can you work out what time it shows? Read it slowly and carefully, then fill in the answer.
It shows 11:26:44
